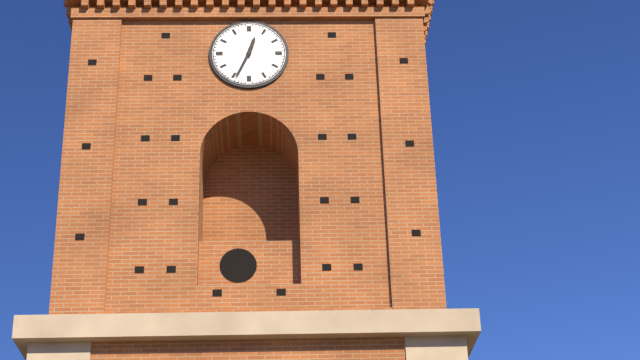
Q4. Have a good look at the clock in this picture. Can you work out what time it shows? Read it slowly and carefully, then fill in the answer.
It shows 12:34
